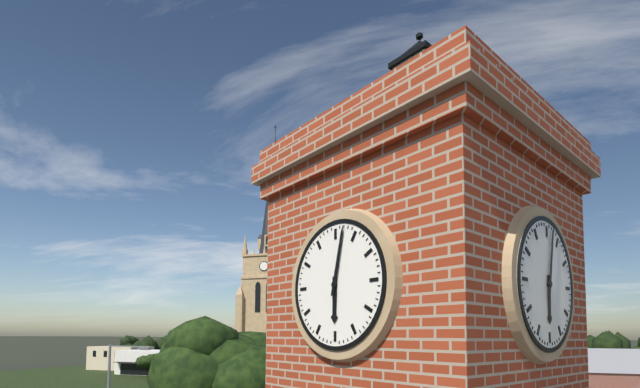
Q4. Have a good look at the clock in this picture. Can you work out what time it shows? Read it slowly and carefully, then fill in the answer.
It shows 6:02
